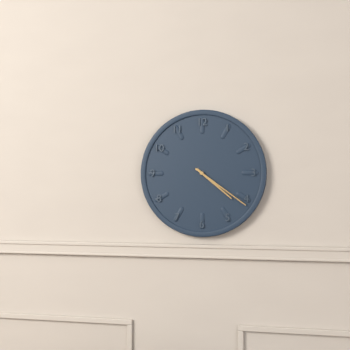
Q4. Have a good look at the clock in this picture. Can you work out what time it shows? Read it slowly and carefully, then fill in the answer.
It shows 4:21
